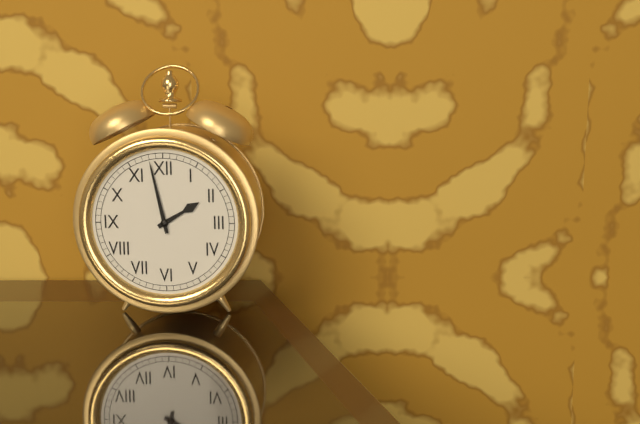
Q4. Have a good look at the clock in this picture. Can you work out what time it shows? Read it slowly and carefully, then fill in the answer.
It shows 1:58
